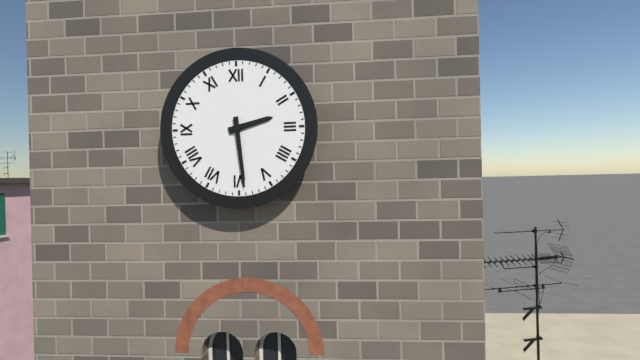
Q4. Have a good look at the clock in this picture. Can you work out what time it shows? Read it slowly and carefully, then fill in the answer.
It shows 2:29
